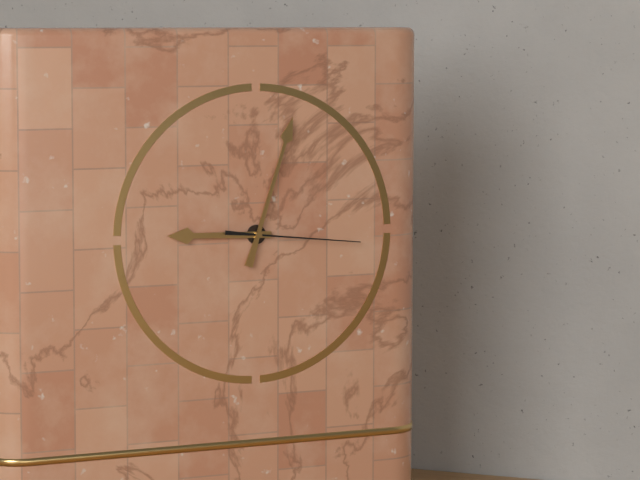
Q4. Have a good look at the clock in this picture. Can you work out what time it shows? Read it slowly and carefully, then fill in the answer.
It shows 9:03:16
